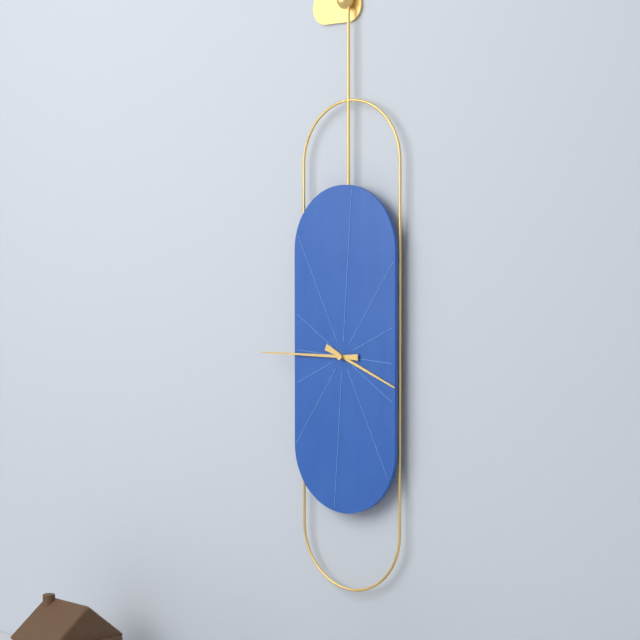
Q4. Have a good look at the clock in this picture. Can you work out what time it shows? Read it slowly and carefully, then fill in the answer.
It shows 3:45
